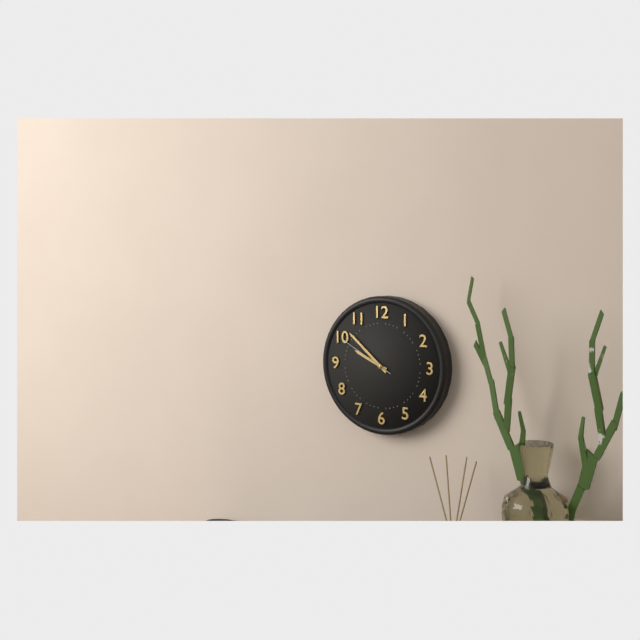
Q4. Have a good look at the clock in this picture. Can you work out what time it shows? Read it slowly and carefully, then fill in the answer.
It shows 9:52:50
